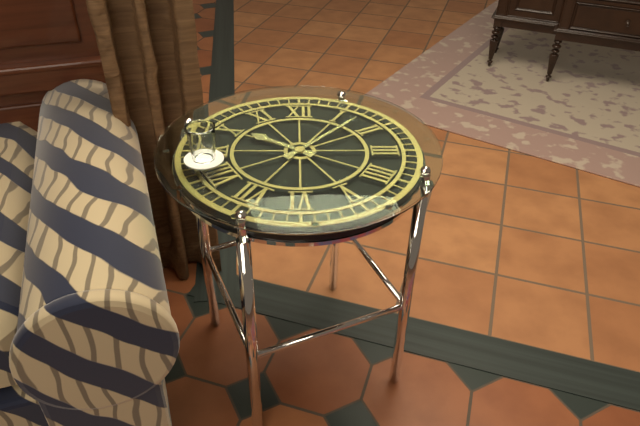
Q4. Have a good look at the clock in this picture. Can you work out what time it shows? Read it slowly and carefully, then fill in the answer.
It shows 10:07
